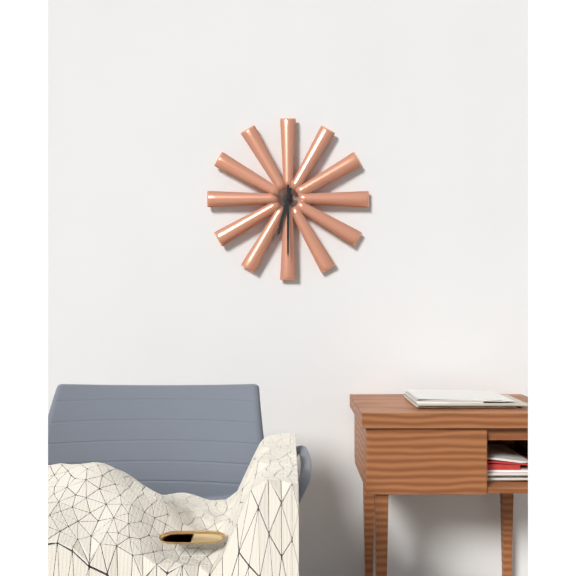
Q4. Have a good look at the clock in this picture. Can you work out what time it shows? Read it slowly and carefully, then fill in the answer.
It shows 6:30
